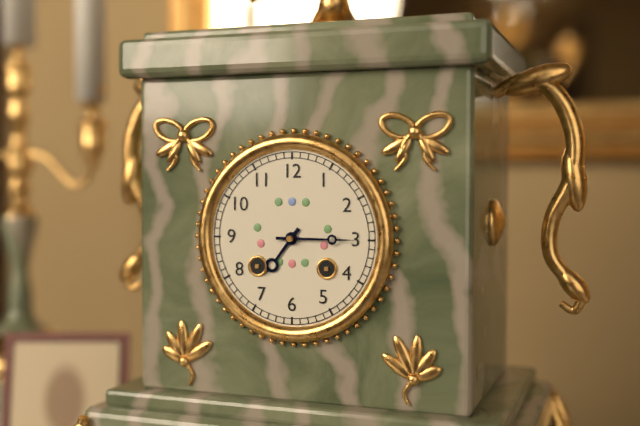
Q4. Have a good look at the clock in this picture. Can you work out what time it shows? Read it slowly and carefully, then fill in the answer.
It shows 7:15
